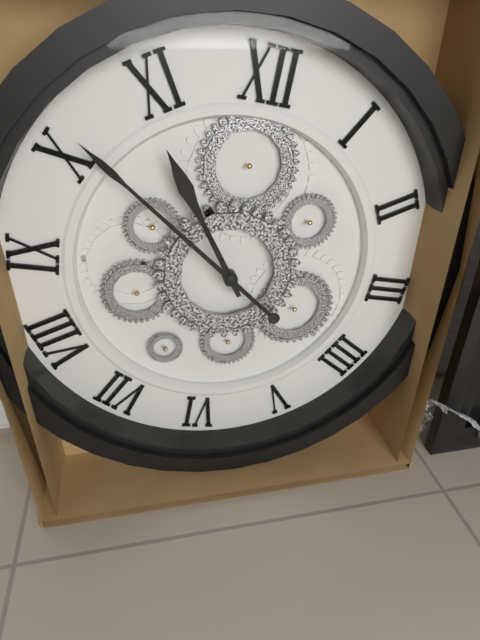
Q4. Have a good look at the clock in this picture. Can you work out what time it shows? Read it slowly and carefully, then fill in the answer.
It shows 10:51
